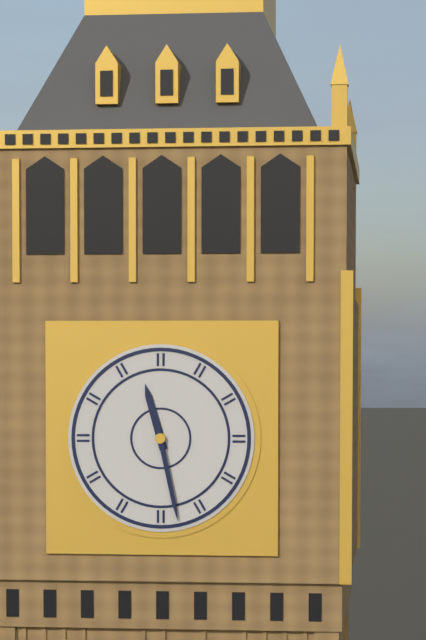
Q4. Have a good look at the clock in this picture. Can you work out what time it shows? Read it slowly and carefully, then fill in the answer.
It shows 11:28
